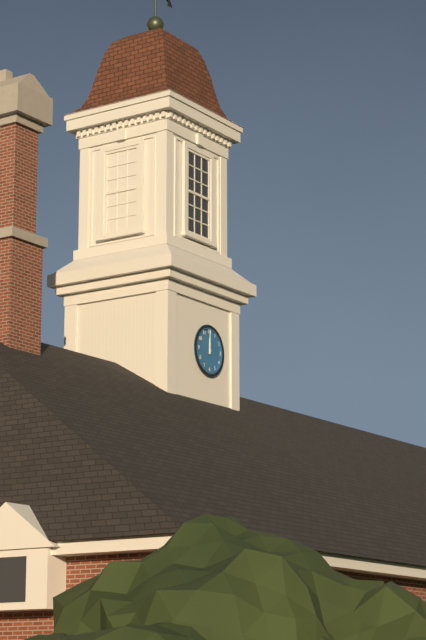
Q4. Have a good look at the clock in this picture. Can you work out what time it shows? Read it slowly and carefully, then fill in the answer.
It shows 12:00
